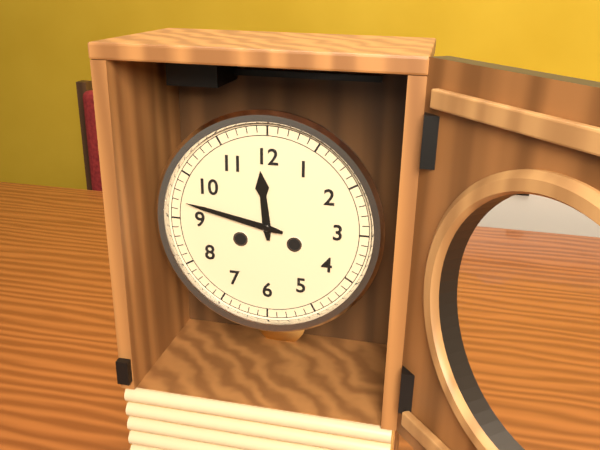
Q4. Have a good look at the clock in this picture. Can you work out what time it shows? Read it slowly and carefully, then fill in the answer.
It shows 11:47
